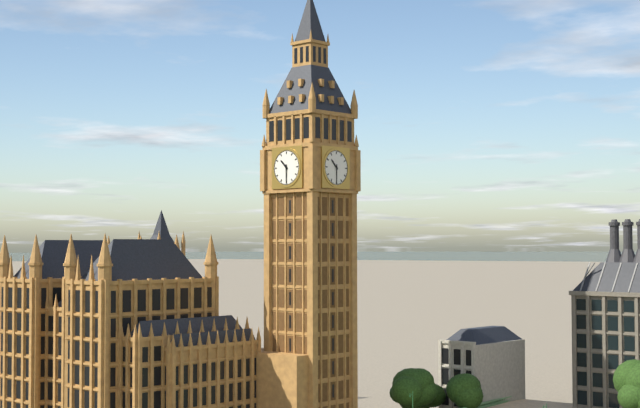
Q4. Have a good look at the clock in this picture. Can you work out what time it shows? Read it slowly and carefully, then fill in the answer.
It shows 10:30
